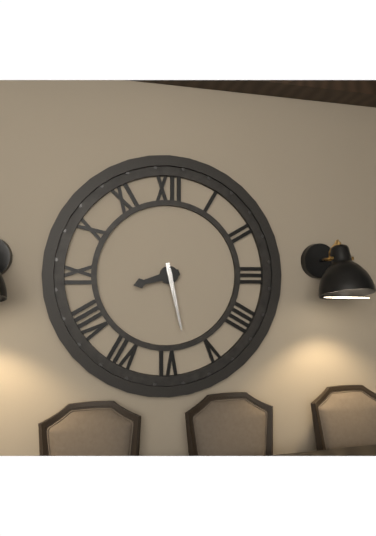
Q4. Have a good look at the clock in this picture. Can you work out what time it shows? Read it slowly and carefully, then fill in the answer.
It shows 8:28
